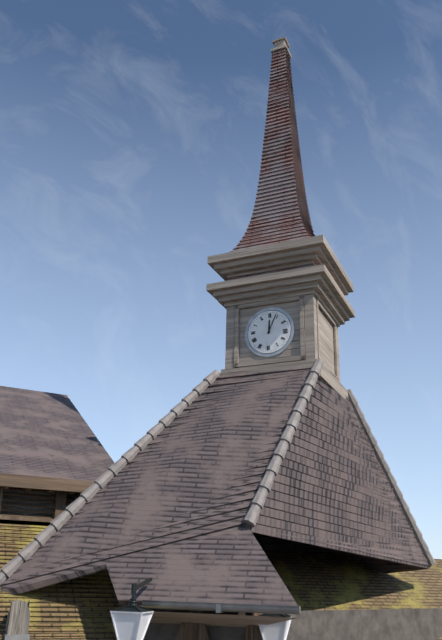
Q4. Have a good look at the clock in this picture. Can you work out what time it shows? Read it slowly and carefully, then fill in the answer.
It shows 12:04
